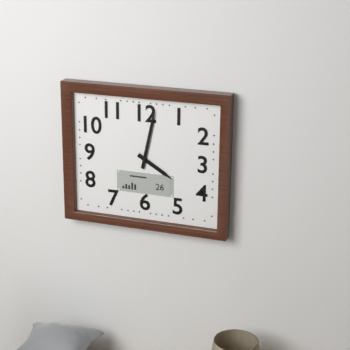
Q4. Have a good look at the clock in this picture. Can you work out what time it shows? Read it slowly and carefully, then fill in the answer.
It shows 4:02
